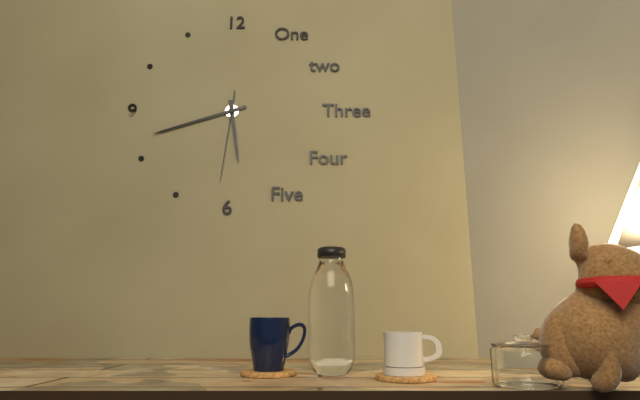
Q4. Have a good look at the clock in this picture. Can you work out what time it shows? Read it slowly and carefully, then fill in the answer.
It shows 5:42:31
